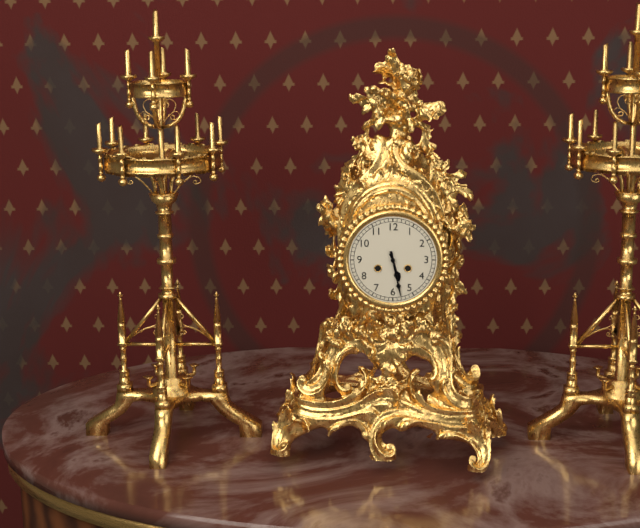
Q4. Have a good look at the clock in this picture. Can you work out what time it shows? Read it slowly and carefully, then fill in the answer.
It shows 5:28
